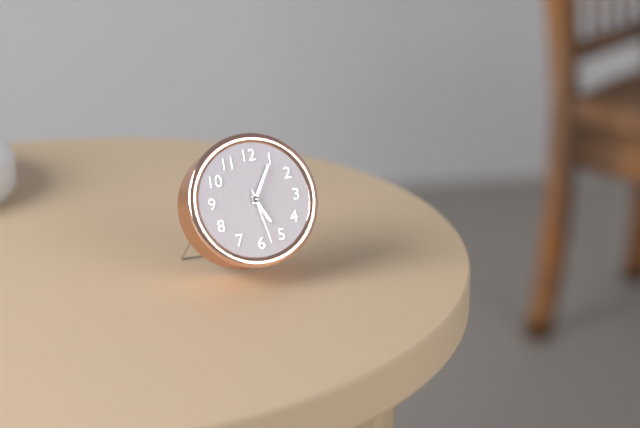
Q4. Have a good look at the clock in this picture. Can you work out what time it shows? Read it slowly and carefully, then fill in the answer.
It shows 5:05:28
